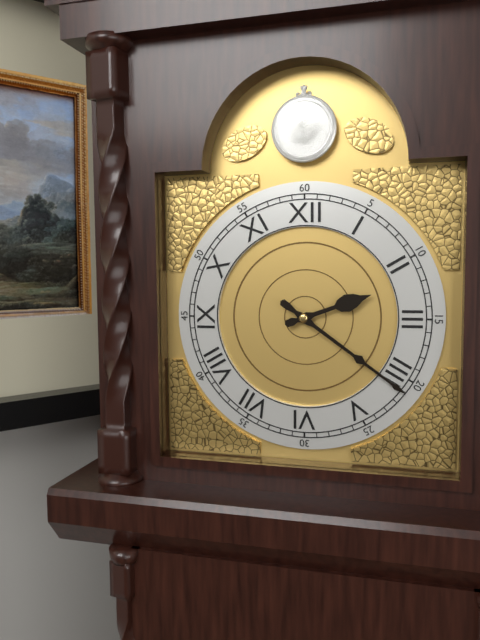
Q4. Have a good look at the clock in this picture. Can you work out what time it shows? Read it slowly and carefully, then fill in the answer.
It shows 2:21
